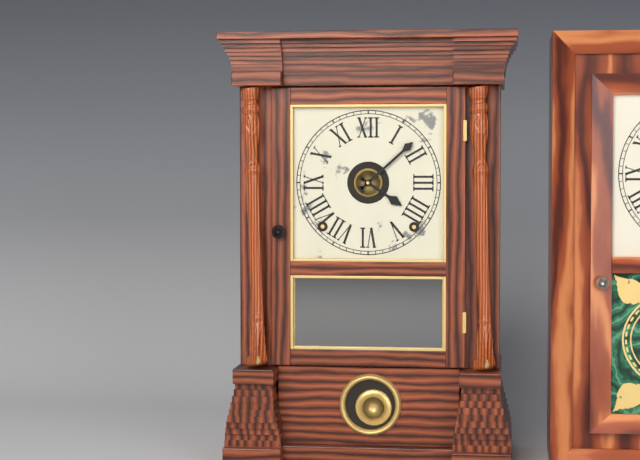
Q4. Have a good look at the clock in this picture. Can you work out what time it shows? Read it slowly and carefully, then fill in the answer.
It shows 4:08
